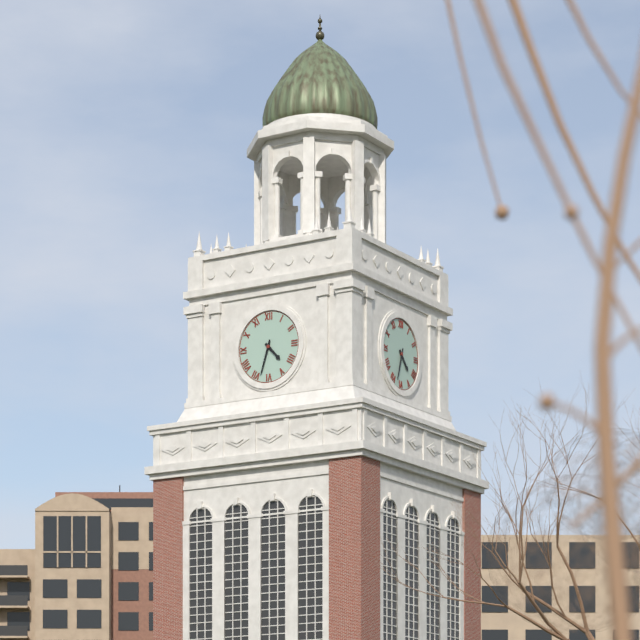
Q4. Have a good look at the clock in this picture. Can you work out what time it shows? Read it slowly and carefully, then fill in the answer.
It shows 4:33
